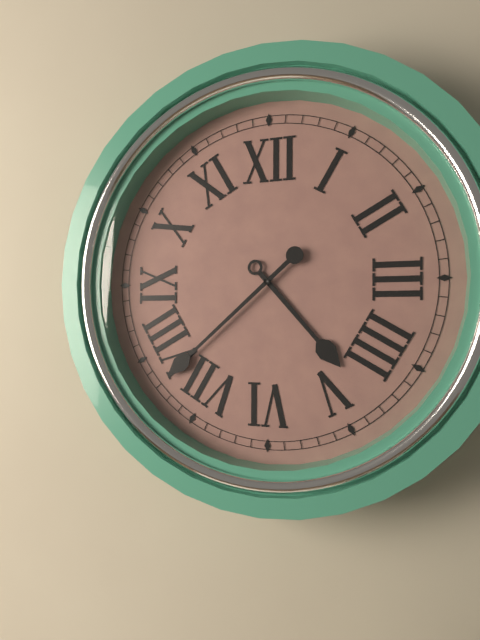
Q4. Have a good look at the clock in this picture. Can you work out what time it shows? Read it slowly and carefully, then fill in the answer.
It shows 4:38
